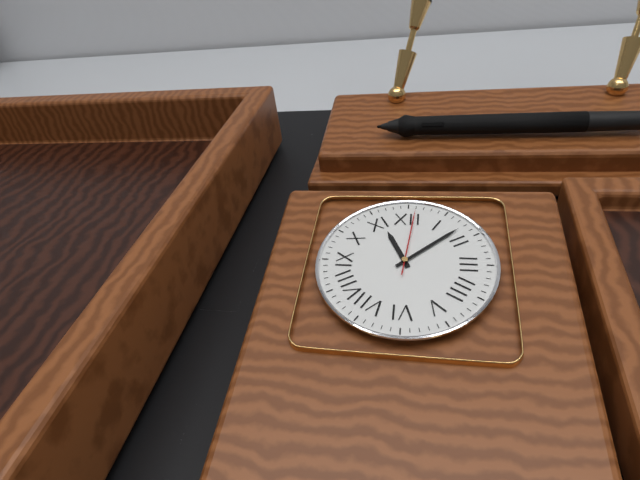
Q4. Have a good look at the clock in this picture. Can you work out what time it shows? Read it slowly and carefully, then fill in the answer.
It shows 11:08:01
